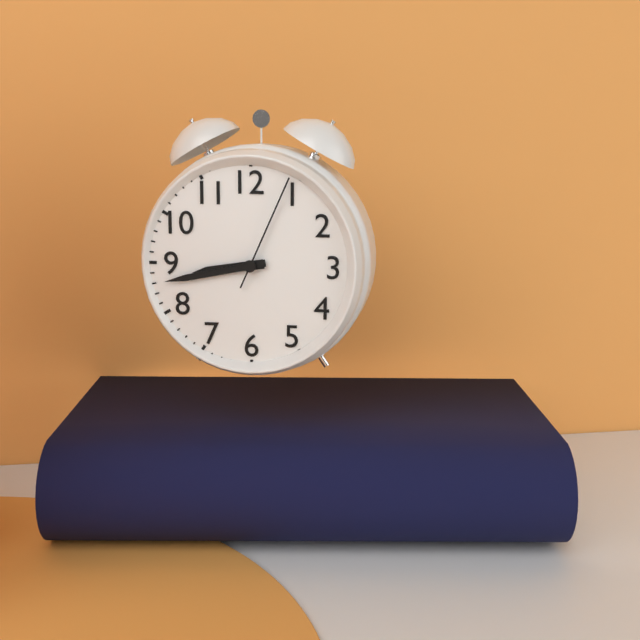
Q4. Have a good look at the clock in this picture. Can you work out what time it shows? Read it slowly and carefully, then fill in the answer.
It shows 8:43:04
